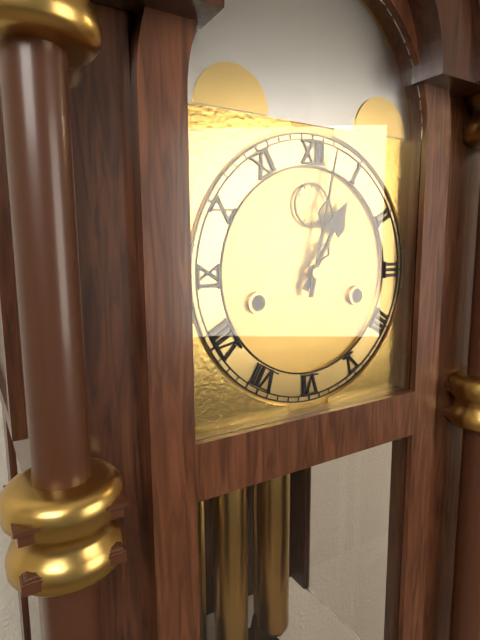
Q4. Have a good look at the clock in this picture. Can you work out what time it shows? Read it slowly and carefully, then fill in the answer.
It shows 1:02
